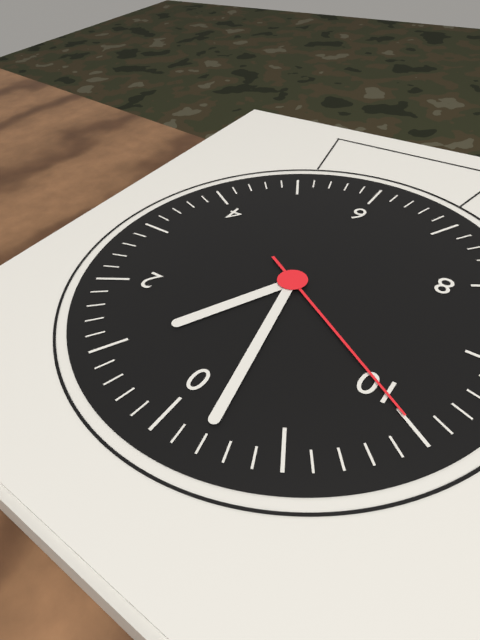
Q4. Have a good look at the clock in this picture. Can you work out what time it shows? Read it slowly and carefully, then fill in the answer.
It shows 12:58:50
